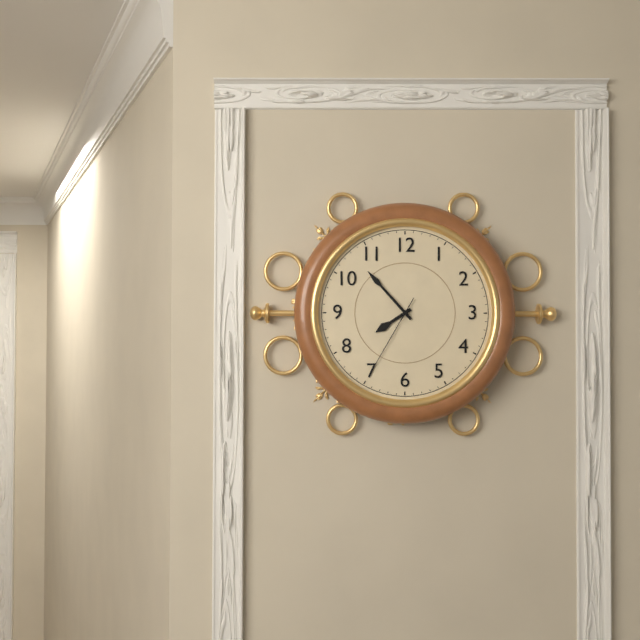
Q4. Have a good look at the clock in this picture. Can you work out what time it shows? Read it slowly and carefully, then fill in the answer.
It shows 7:53:35
